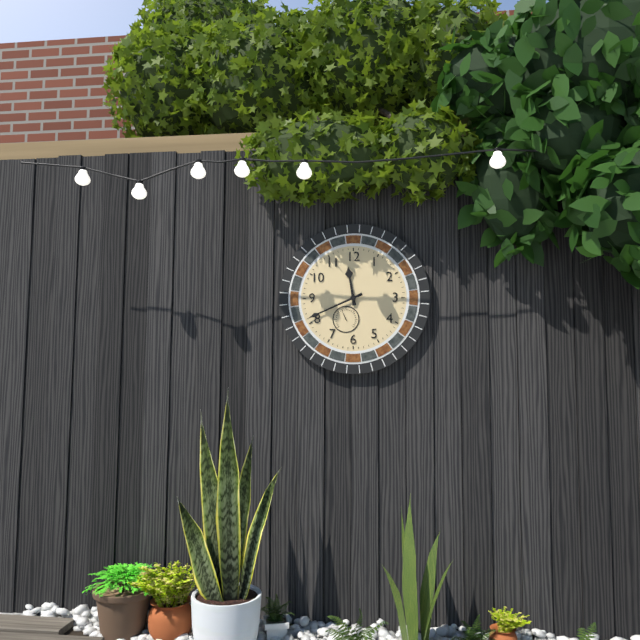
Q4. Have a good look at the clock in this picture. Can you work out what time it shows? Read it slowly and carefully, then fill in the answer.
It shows 11:41
